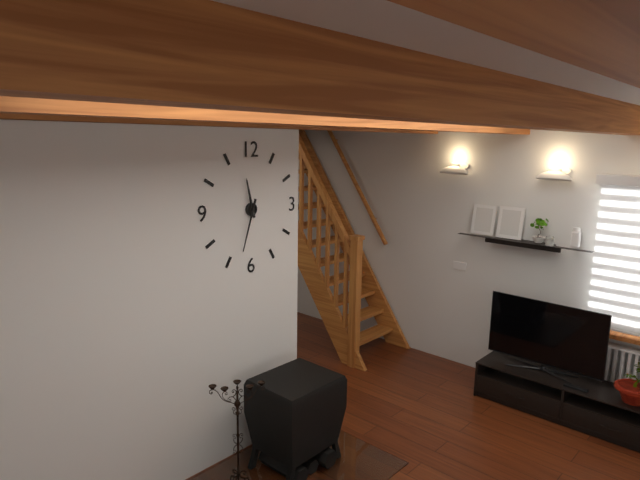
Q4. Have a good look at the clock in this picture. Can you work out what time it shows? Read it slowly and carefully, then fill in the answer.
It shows 11:33
